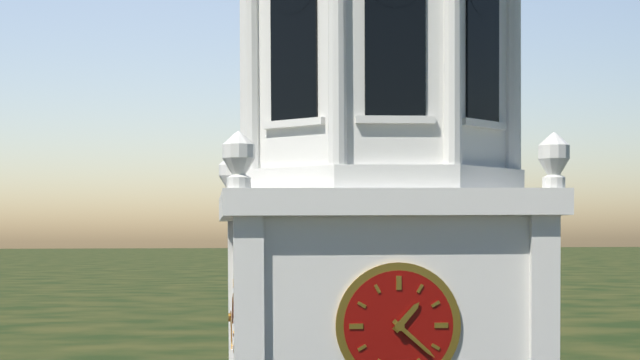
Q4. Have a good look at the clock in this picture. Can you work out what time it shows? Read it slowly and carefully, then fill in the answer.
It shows 1:22
